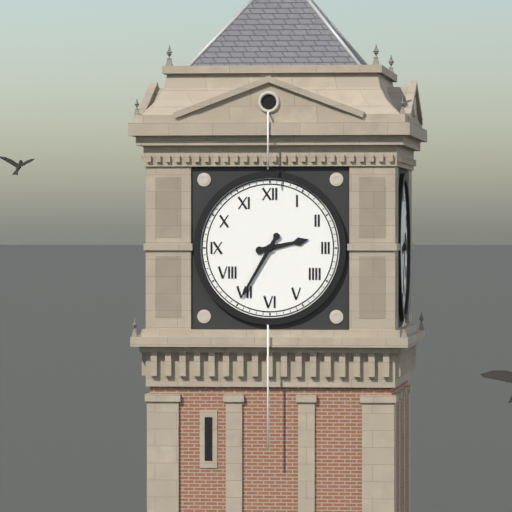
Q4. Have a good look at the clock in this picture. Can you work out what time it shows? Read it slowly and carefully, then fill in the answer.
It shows 2:35
